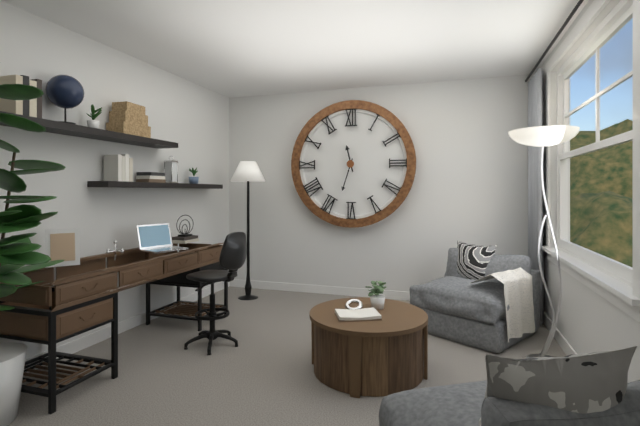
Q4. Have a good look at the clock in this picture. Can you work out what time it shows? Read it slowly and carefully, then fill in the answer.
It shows 11:33
